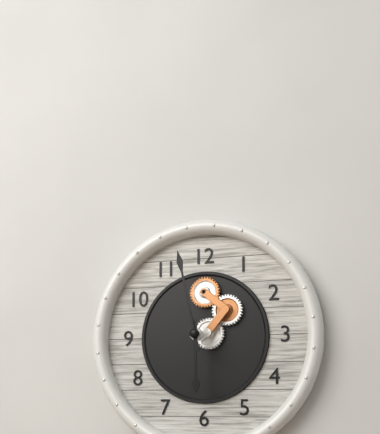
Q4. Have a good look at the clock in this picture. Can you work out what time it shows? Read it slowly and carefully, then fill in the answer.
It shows 5:58
